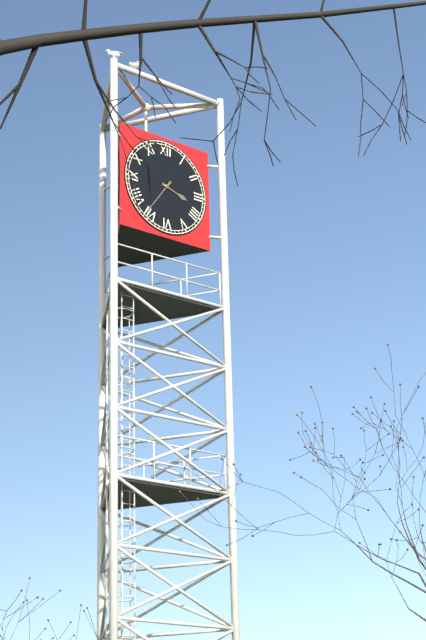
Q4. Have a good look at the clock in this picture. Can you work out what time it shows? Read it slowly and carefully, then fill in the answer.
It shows 3:36
